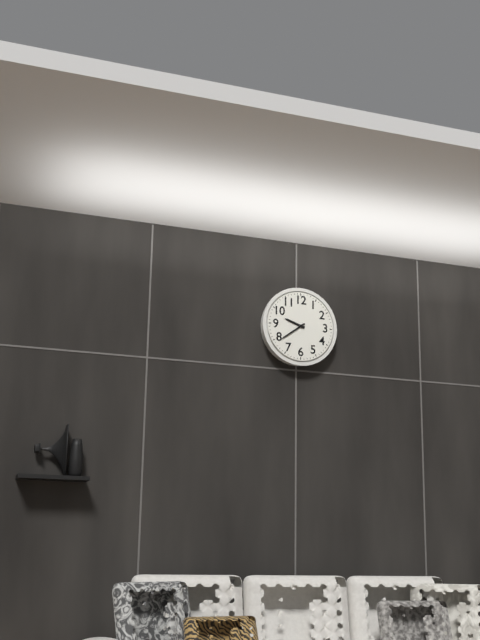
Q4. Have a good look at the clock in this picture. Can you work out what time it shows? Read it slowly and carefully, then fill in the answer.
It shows 9:39
